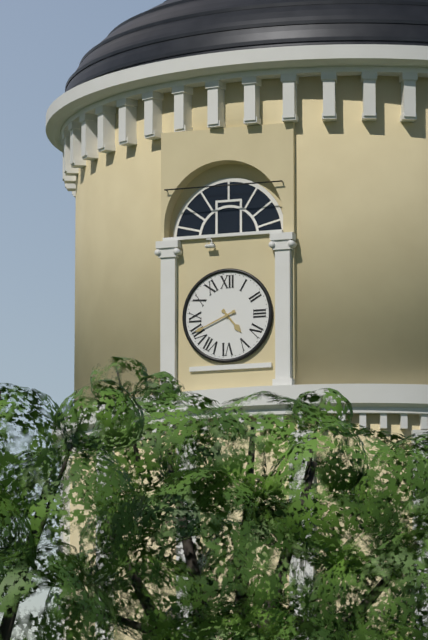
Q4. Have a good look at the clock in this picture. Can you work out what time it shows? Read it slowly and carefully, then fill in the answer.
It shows 4:41
